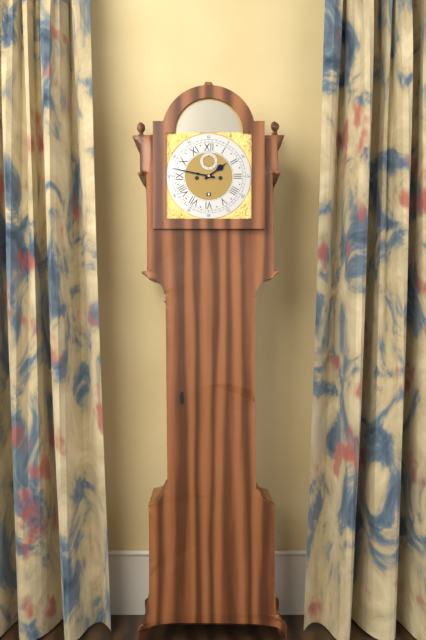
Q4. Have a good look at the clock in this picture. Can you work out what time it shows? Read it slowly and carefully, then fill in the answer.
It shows 1:47
